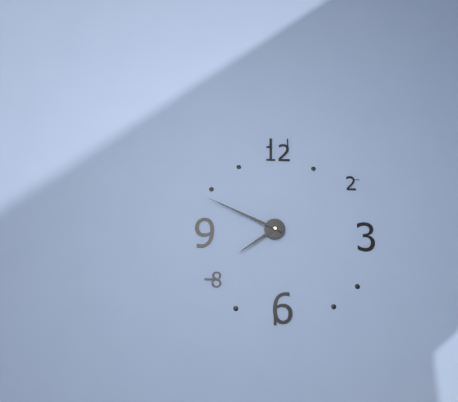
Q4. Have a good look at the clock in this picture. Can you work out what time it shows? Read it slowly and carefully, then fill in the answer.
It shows 7:49
